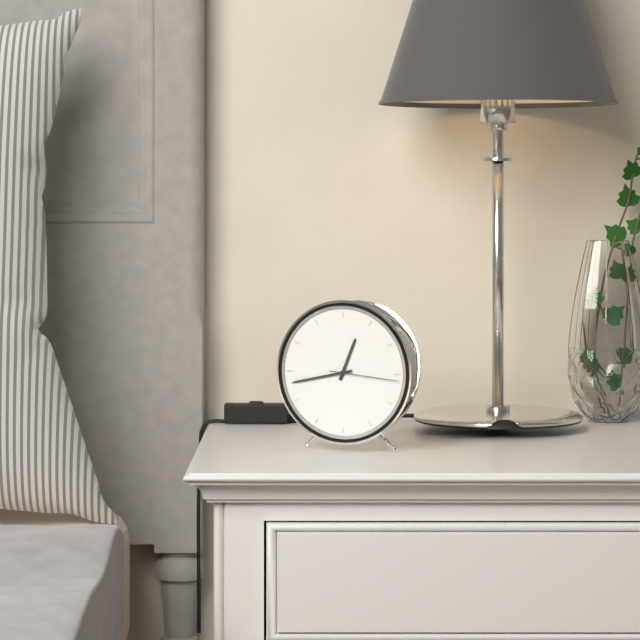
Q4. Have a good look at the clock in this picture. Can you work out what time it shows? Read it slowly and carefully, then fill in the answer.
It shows 12:43:16
